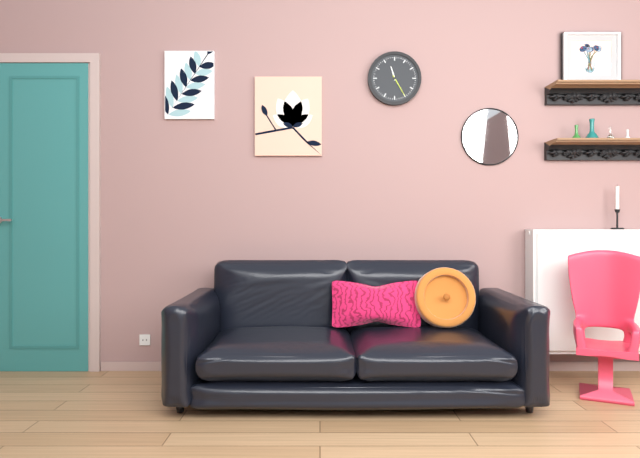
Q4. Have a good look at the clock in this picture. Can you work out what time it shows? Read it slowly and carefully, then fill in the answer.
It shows 11:25
